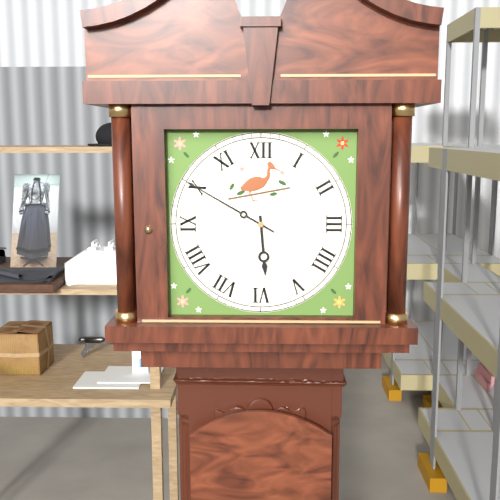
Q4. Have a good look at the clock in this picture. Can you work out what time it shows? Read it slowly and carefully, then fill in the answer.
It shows 5:50
